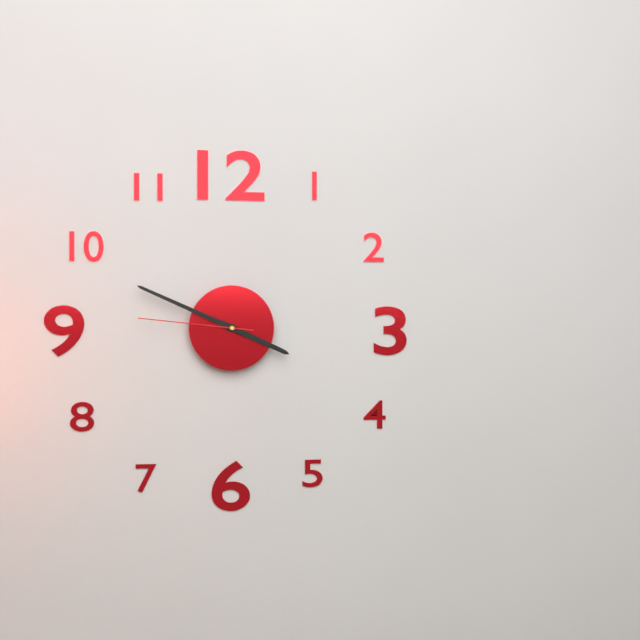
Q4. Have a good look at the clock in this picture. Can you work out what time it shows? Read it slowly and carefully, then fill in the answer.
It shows 3:49:46
